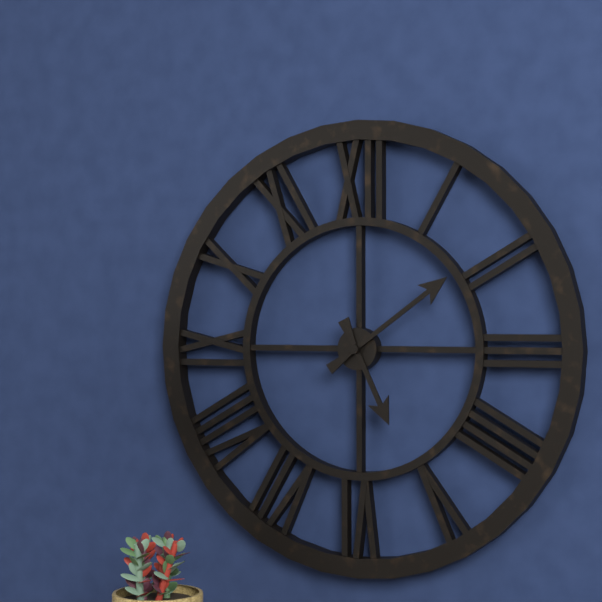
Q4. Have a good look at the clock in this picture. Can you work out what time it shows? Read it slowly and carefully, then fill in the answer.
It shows 5:09
